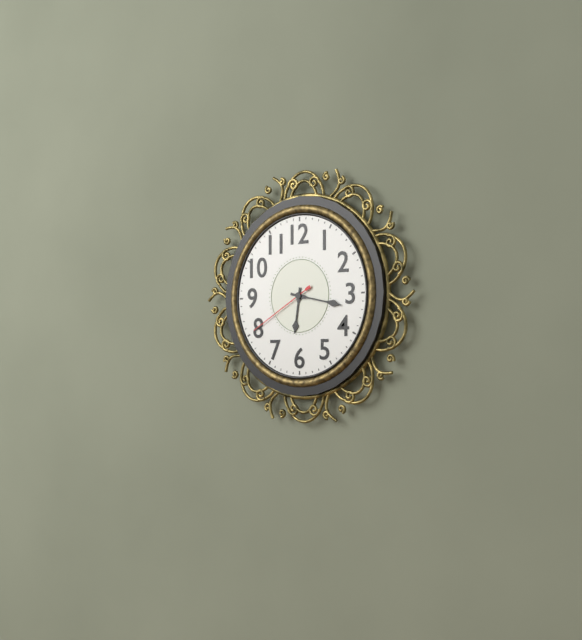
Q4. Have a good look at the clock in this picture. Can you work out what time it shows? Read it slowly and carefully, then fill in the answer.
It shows 6:17:40
